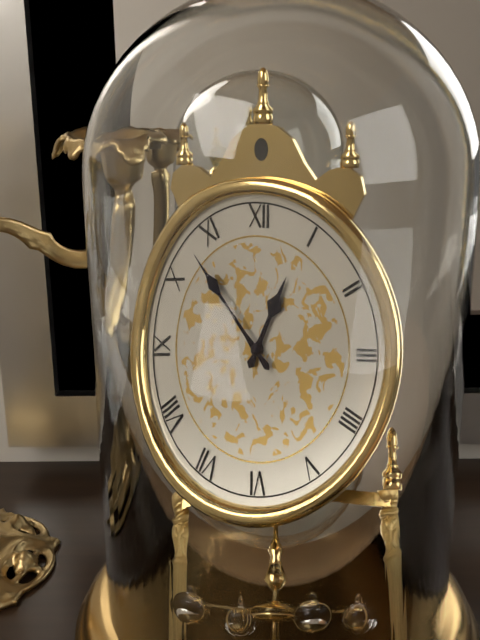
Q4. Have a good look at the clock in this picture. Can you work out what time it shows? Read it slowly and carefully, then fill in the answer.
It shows 12:53
